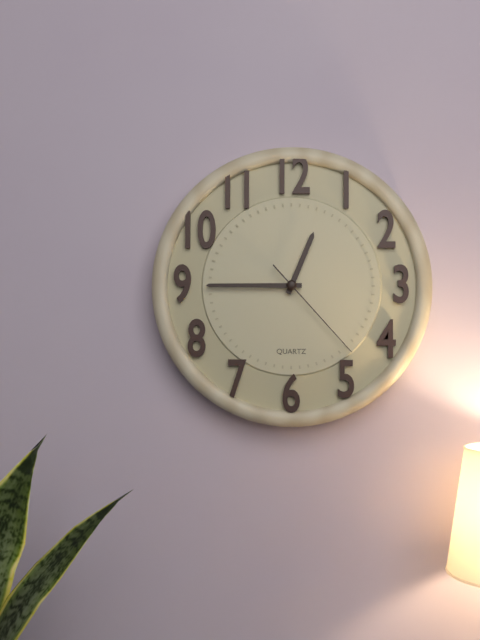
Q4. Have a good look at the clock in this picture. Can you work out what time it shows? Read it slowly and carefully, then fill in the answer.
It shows 12:45:23
